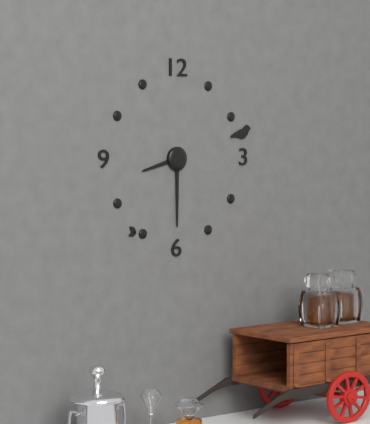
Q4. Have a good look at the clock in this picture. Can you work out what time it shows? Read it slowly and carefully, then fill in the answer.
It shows 8:30
